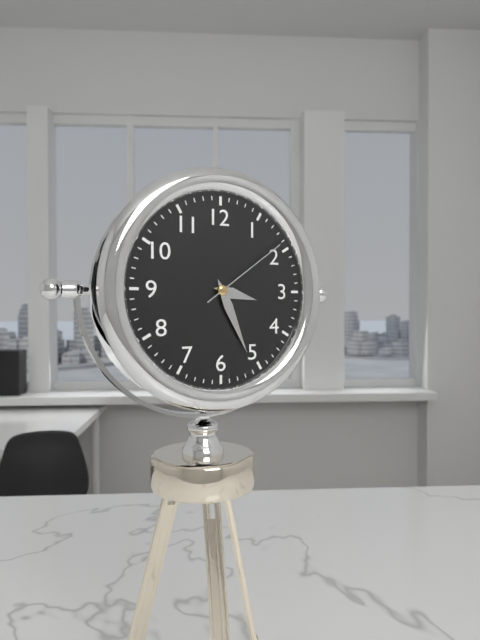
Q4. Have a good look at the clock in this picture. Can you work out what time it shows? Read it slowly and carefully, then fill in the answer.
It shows 3:26:09
